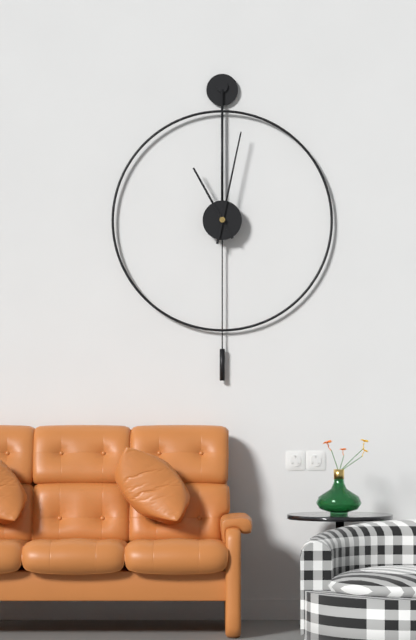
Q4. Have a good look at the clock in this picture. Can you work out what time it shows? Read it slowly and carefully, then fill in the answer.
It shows 11:02
